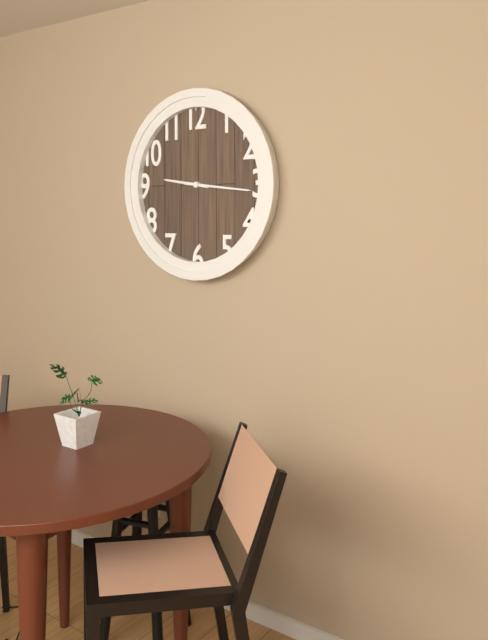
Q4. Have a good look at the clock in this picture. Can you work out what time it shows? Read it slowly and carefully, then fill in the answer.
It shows 9:16
